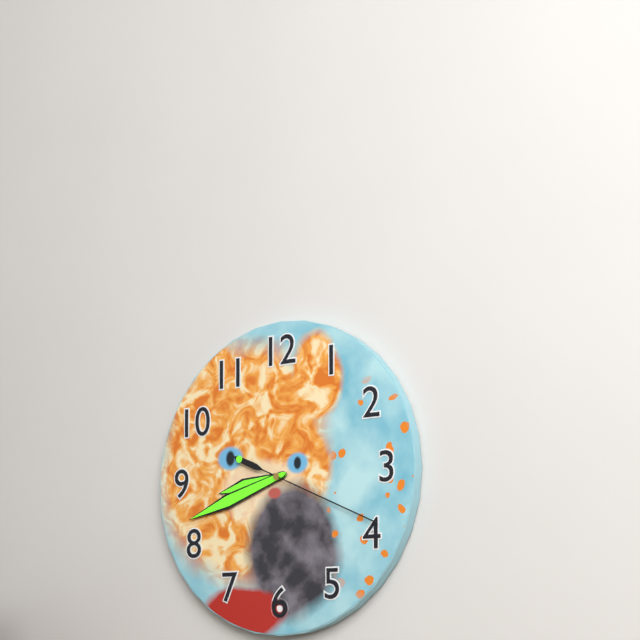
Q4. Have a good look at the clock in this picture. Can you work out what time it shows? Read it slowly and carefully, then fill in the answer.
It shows 8:42:19
